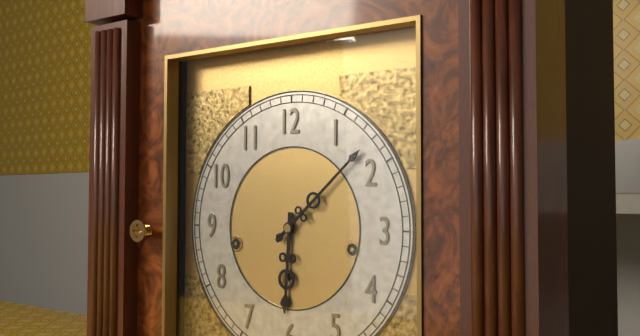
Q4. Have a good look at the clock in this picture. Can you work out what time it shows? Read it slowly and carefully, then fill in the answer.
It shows 6:08
